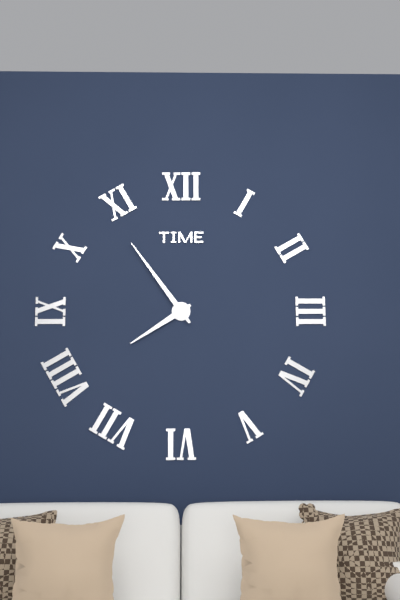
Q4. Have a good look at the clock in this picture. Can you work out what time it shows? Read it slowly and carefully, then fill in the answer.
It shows 7:54
